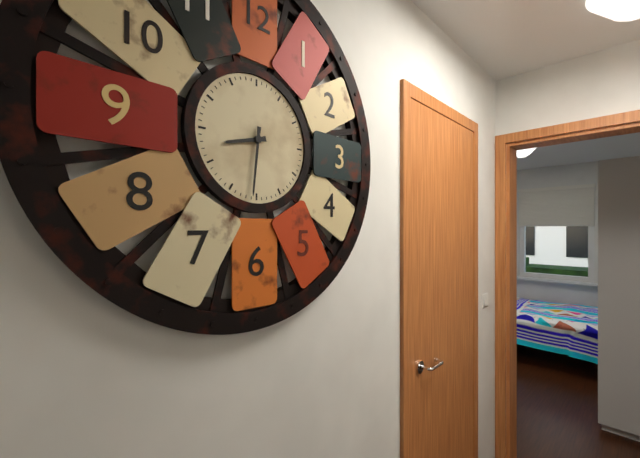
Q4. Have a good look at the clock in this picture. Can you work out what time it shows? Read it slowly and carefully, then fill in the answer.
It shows 8:31
